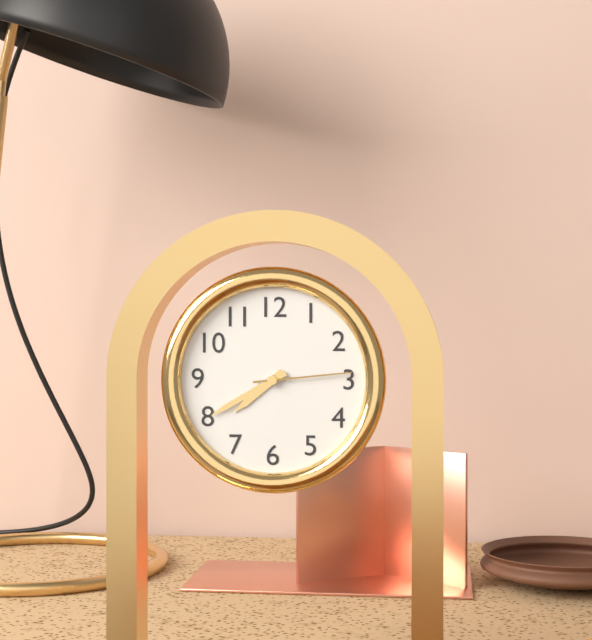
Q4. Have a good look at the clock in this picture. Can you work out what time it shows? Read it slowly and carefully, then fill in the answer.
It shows 7:40:14
